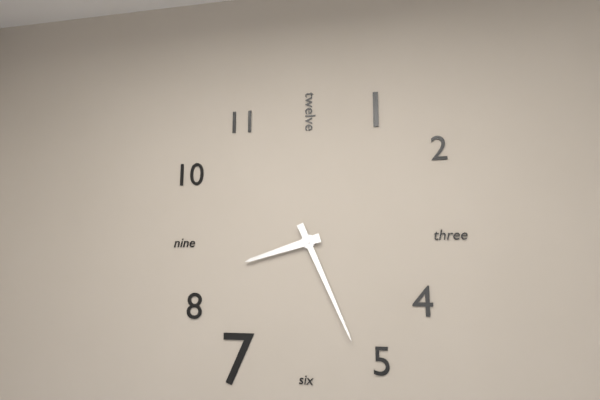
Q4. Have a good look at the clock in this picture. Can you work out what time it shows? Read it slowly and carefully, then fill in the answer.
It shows 8:26
